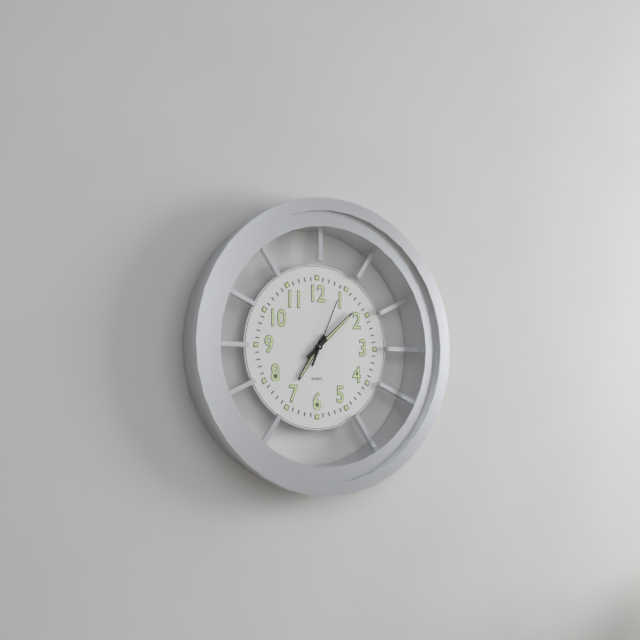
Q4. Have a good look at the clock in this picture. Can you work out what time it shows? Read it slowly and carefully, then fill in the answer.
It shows 7:08:04
